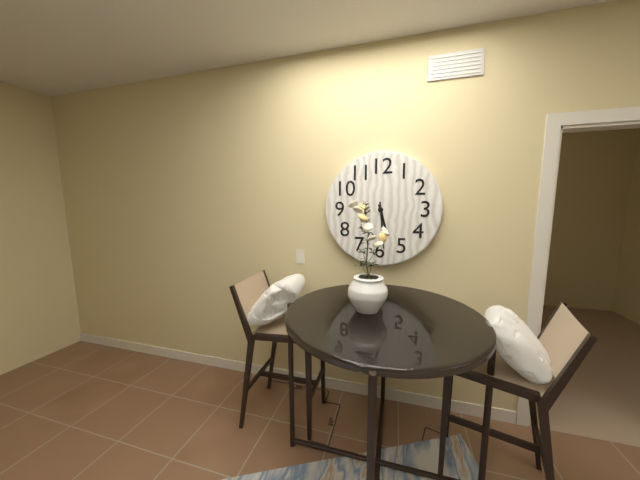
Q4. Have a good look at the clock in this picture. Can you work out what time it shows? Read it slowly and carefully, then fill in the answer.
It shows 5:29
